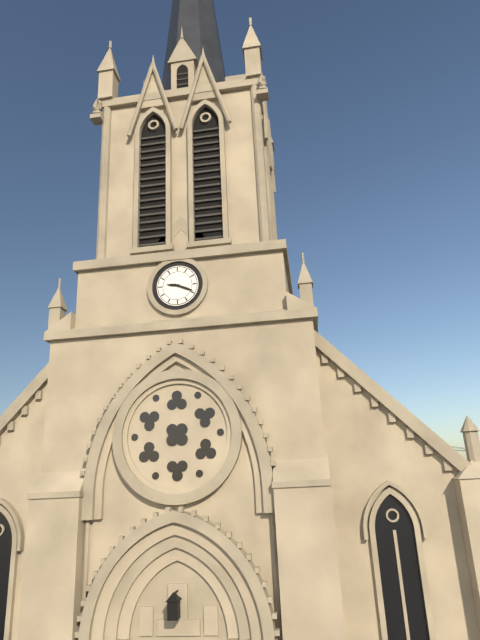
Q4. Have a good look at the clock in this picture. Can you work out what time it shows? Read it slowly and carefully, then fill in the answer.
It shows 9:19
